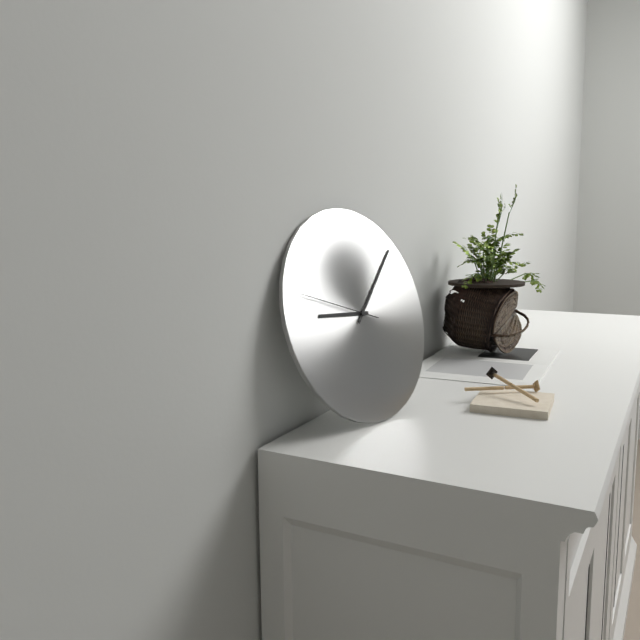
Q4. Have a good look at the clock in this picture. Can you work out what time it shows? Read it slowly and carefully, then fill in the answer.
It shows 9:08:48
